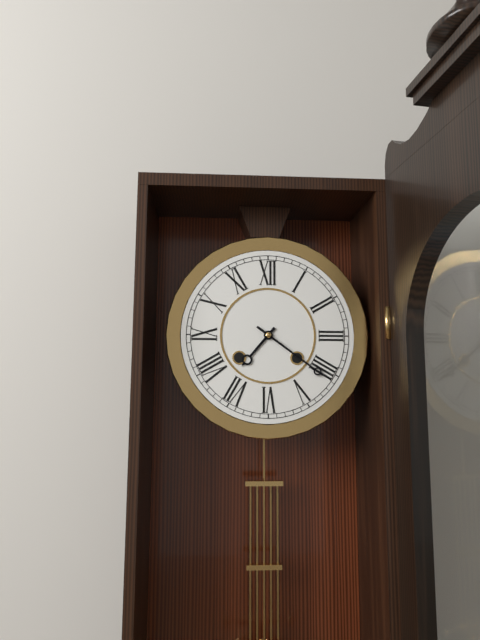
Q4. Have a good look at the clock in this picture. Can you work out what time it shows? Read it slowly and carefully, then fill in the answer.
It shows 7:21
